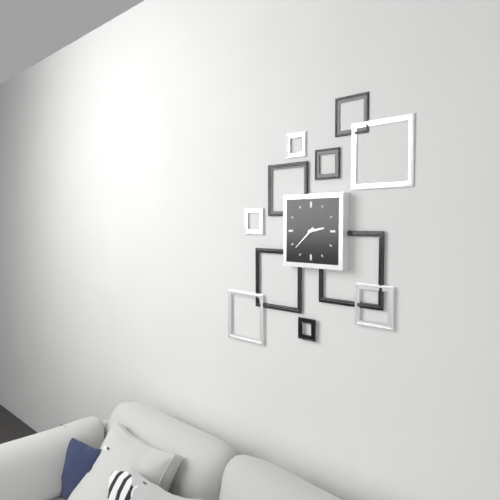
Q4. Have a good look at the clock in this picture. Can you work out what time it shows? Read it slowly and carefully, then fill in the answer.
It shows 2:38
